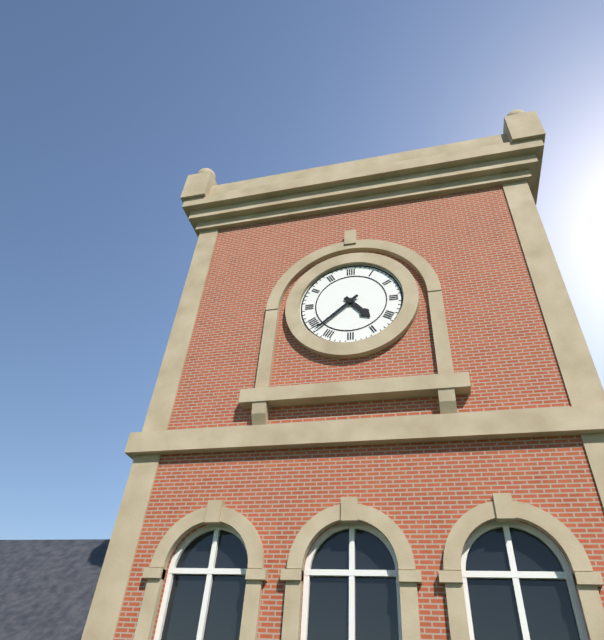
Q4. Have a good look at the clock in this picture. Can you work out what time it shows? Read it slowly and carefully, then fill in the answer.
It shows 4:38
